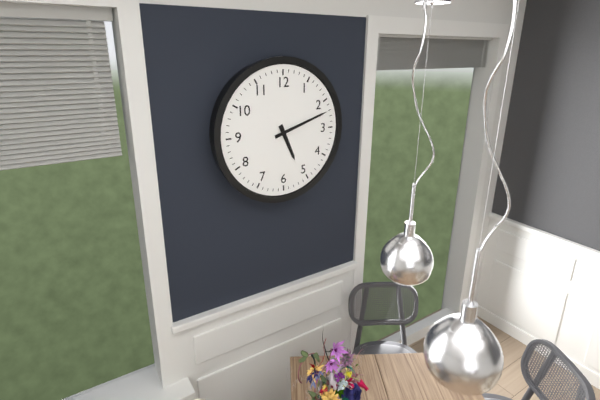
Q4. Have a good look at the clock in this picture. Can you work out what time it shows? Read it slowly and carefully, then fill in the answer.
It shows 5:12
